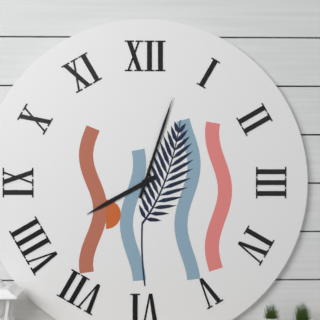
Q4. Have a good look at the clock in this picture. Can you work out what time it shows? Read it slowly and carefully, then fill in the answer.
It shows 8:03
